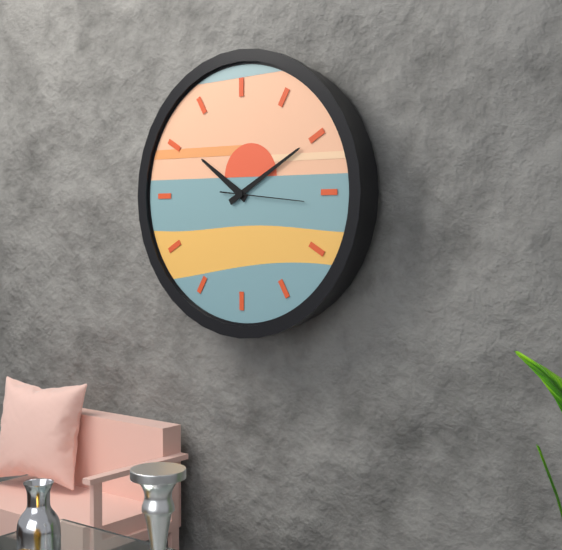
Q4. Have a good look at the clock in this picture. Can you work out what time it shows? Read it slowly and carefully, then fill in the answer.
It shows 10:10:16
